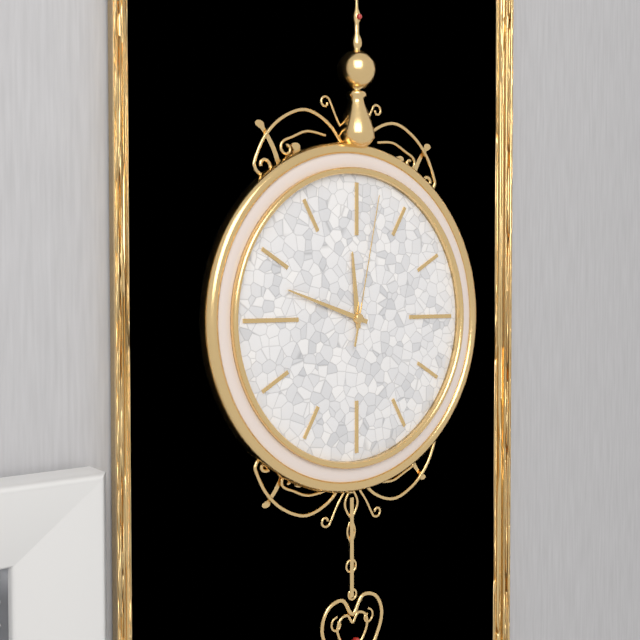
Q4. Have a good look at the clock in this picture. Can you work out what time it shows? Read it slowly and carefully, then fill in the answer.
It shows 11:48:02
